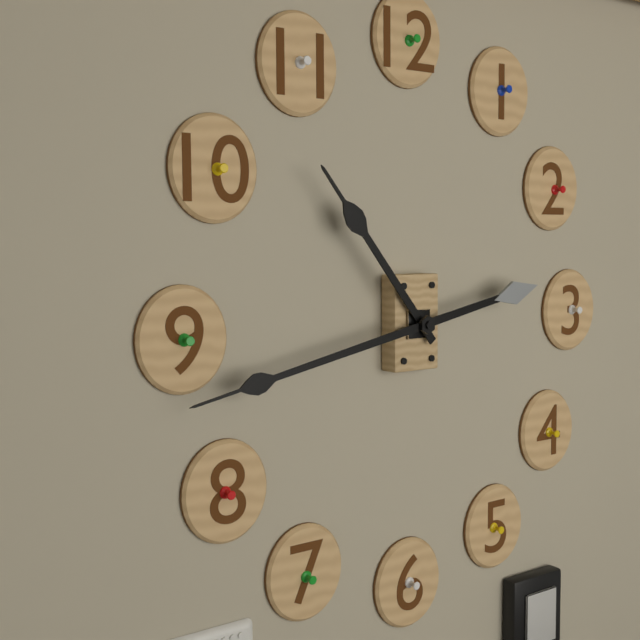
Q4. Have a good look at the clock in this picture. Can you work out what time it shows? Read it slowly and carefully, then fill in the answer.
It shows 10:43
